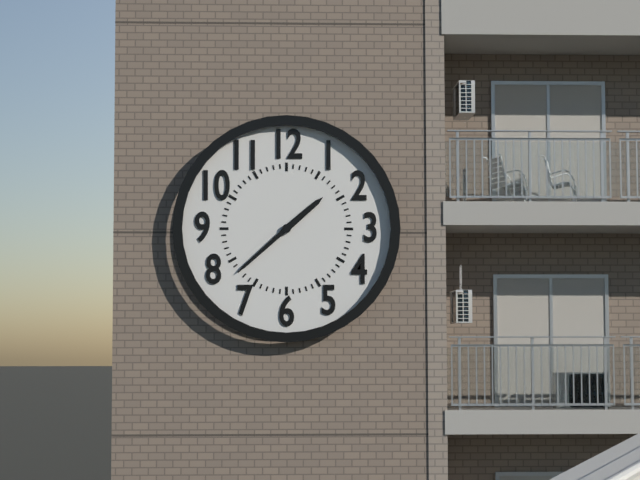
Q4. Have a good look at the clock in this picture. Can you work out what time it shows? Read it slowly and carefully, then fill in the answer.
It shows 1:38
